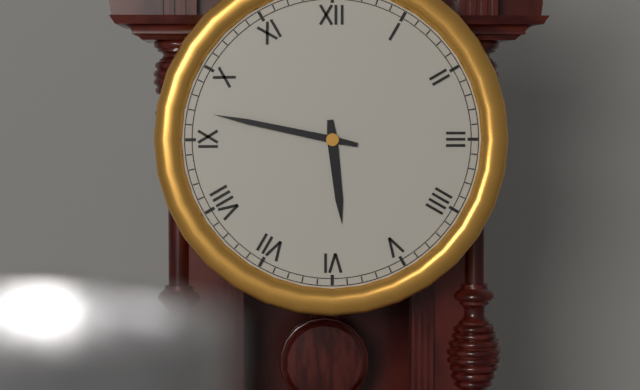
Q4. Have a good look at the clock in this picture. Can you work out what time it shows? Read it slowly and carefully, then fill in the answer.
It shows 5:47
